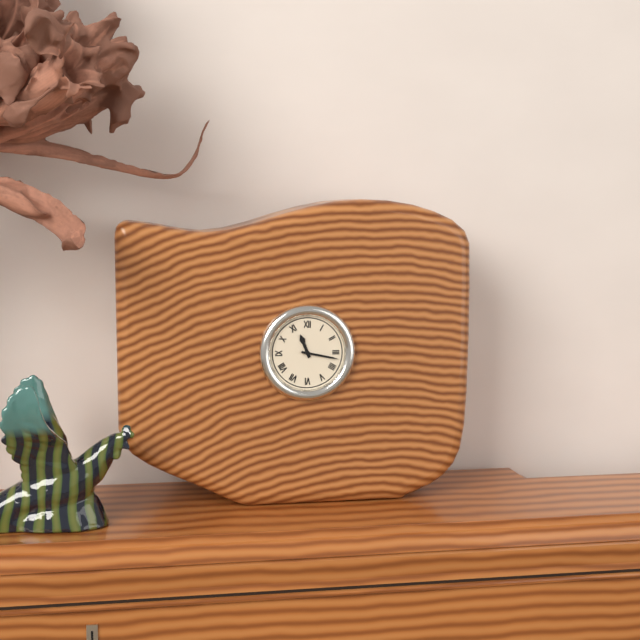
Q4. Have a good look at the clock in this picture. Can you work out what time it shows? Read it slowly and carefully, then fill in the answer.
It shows 11:17
